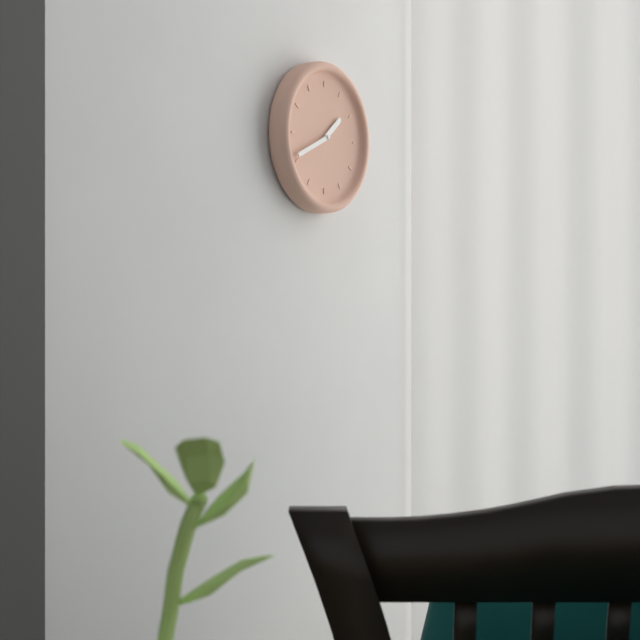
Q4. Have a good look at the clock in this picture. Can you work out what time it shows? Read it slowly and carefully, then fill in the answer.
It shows 1:41
